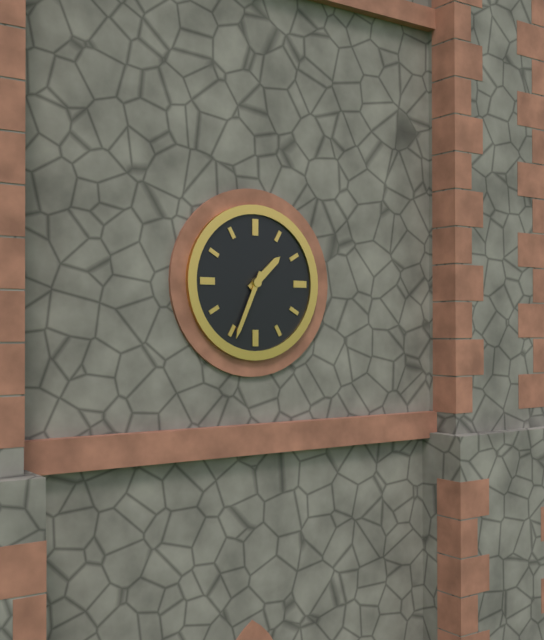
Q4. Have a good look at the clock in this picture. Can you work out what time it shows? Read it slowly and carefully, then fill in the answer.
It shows 1:34
